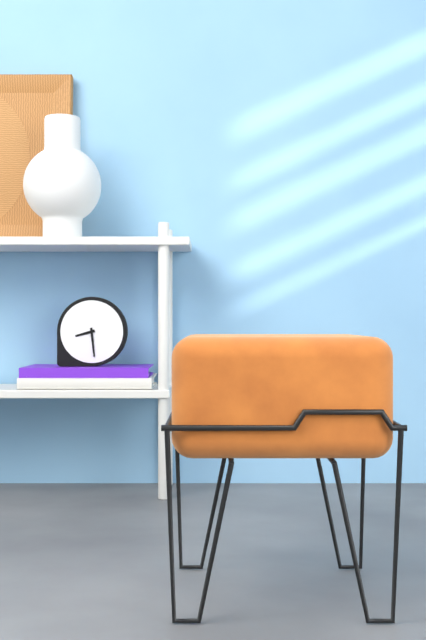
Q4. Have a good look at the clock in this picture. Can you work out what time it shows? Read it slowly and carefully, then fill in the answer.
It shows 8:29
